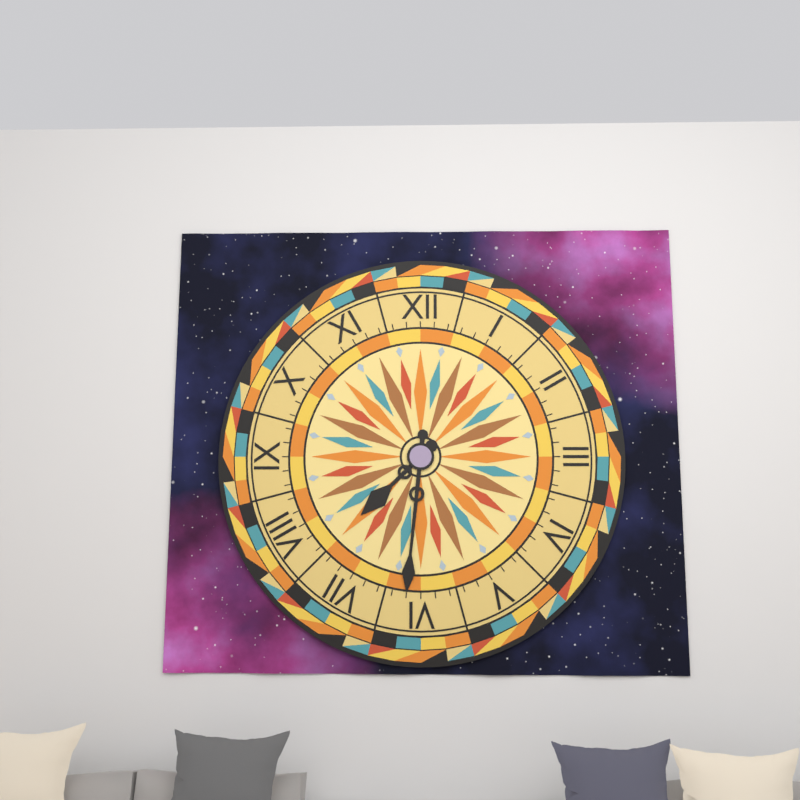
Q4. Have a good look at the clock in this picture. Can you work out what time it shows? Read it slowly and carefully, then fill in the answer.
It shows 7:31
